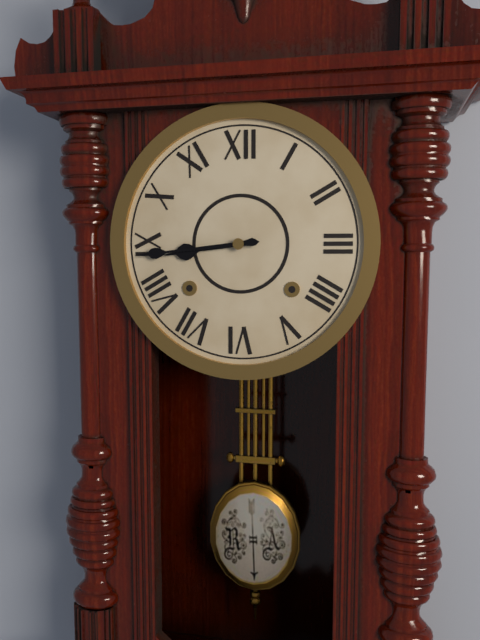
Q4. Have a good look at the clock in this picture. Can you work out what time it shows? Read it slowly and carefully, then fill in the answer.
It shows 8:44
